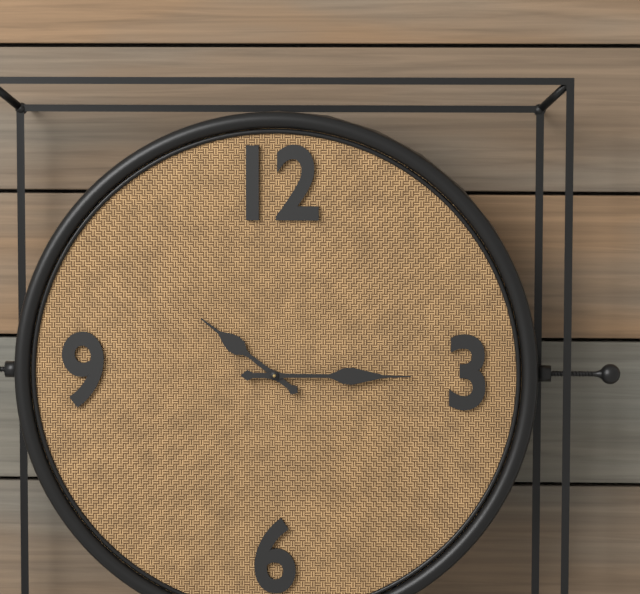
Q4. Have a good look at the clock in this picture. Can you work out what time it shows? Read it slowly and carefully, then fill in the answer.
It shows 10:15
